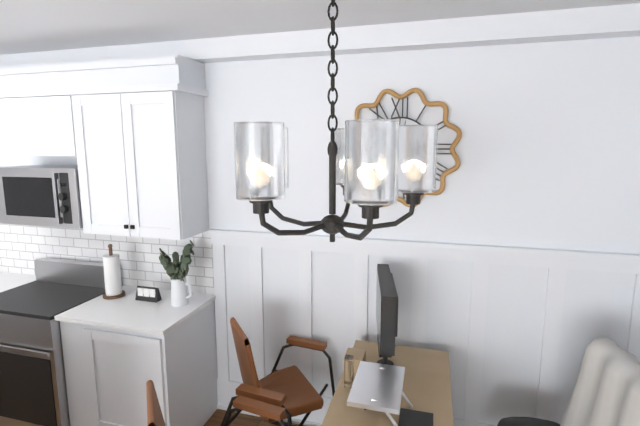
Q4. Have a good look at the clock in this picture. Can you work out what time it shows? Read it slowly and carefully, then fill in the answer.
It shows 3:02
